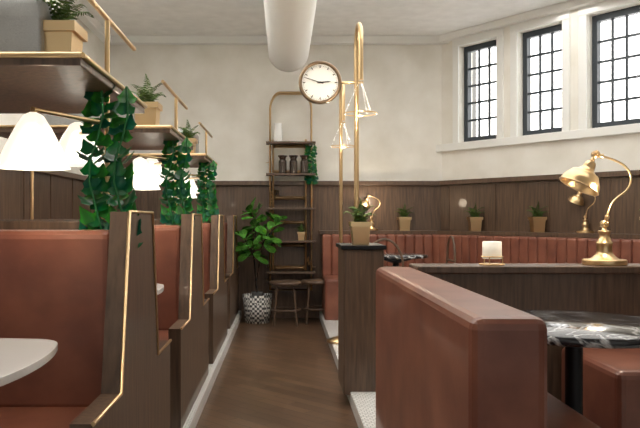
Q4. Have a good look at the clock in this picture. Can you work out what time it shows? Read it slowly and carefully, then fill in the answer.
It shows 2:48
